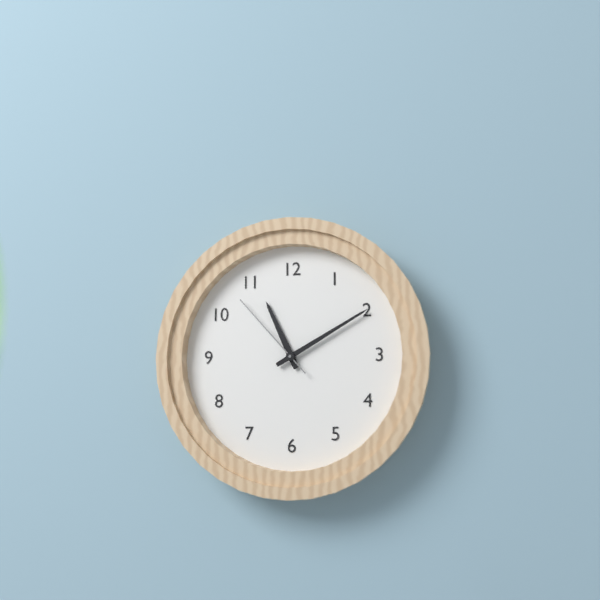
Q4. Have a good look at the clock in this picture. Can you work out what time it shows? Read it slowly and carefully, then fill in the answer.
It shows 11:10:53
